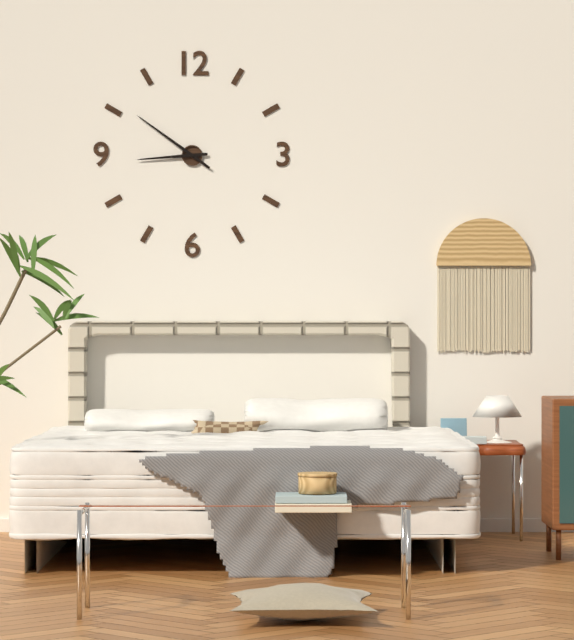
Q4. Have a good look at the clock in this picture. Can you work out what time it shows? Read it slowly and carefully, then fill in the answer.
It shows 8:51
